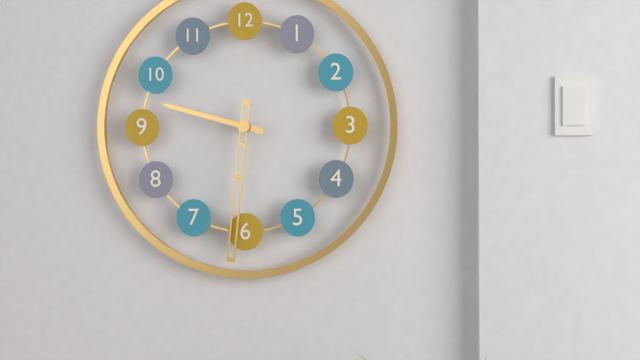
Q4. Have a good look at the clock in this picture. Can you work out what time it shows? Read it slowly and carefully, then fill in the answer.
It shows 9:31
